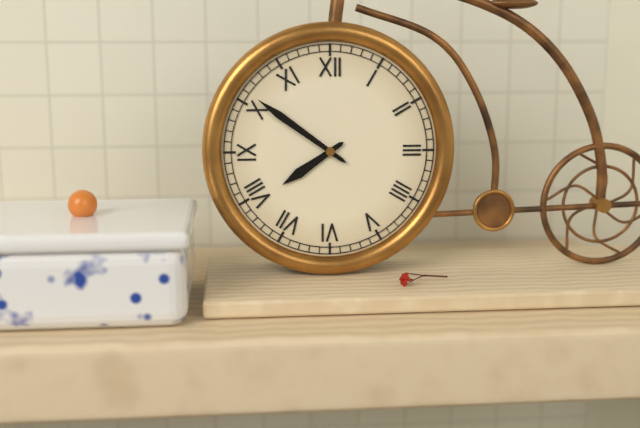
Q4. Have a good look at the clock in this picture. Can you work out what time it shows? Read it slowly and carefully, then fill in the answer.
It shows 7:51
